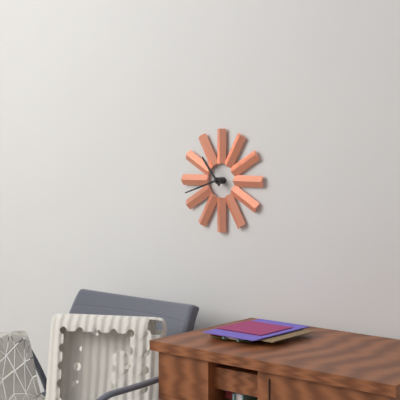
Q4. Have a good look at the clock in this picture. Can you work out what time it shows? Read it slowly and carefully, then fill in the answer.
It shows 10:42
